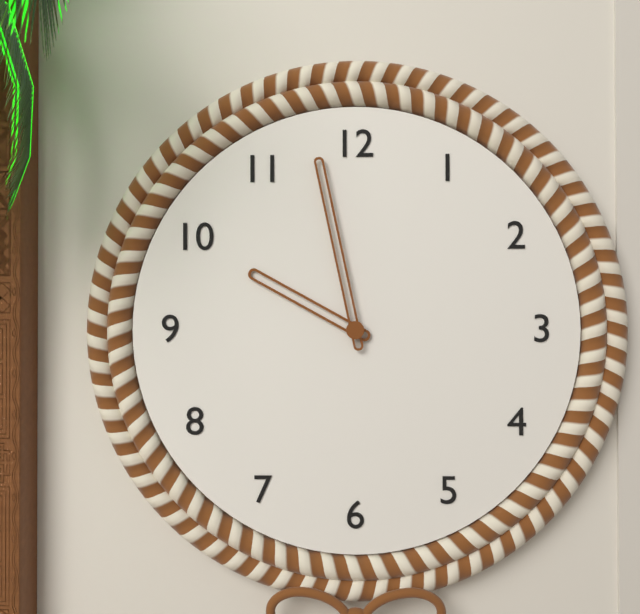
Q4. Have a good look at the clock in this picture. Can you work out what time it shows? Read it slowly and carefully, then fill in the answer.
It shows 9:58
